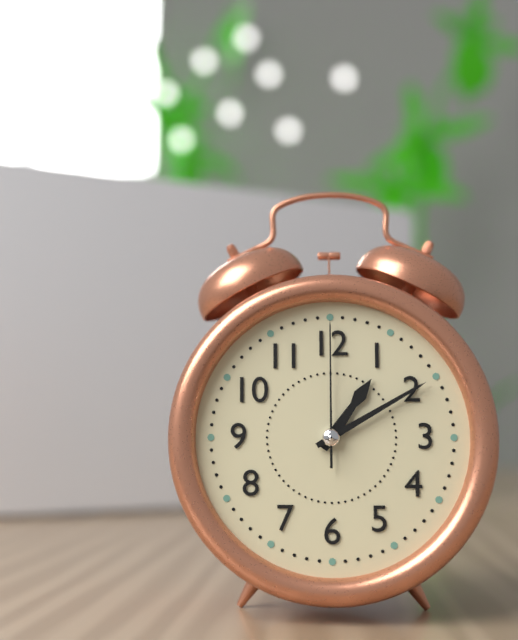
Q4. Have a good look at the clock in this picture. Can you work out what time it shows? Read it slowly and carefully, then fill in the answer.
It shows 1:10:00
